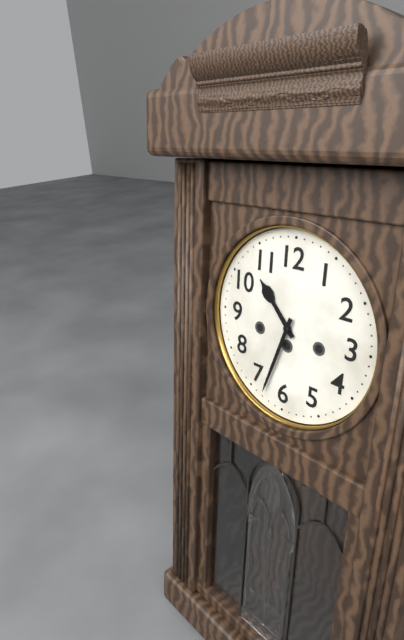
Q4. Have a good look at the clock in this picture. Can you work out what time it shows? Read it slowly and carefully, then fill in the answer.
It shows 10:33
